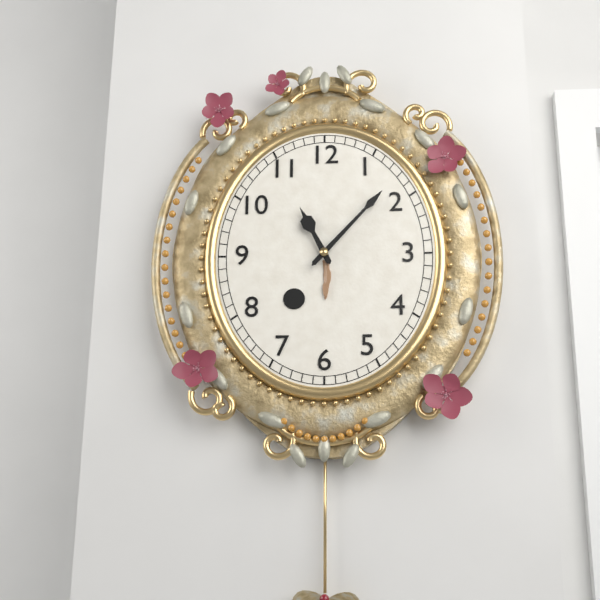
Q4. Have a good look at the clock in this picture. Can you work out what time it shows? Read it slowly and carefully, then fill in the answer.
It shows 11:07
